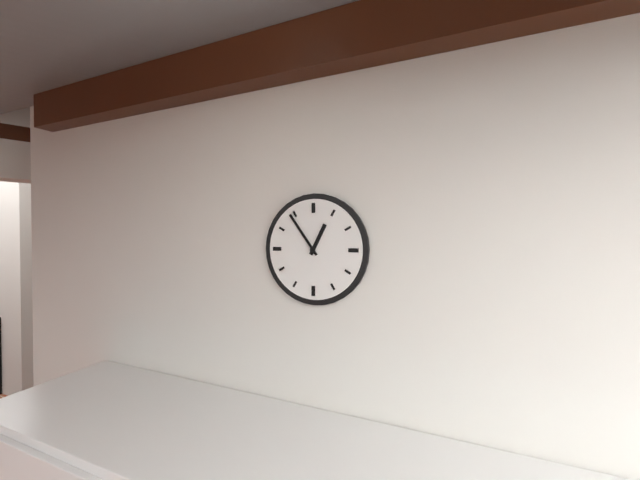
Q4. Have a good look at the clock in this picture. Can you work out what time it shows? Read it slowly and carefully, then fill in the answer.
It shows 12:54
